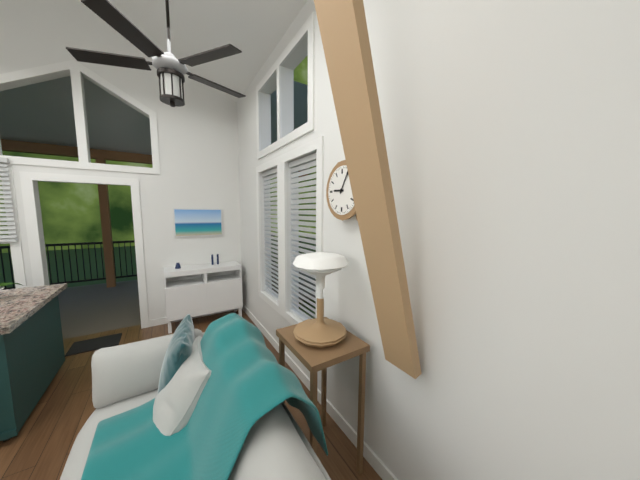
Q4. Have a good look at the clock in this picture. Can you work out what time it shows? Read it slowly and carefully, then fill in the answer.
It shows 9:05
